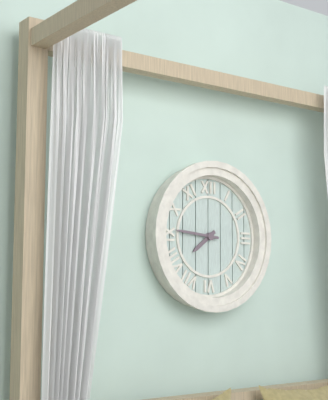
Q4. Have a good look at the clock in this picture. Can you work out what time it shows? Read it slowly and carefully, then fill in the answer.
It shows 7:46
